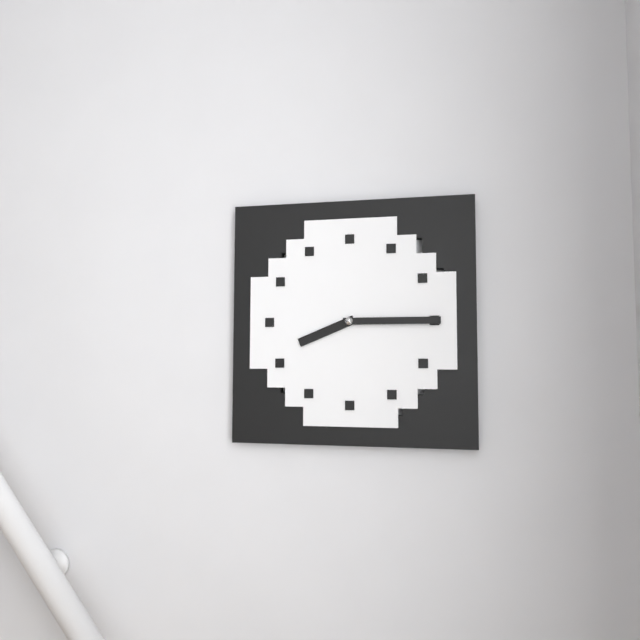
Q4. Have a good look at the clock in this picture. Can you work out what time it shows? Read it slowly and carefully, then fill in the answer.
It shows 8:15
